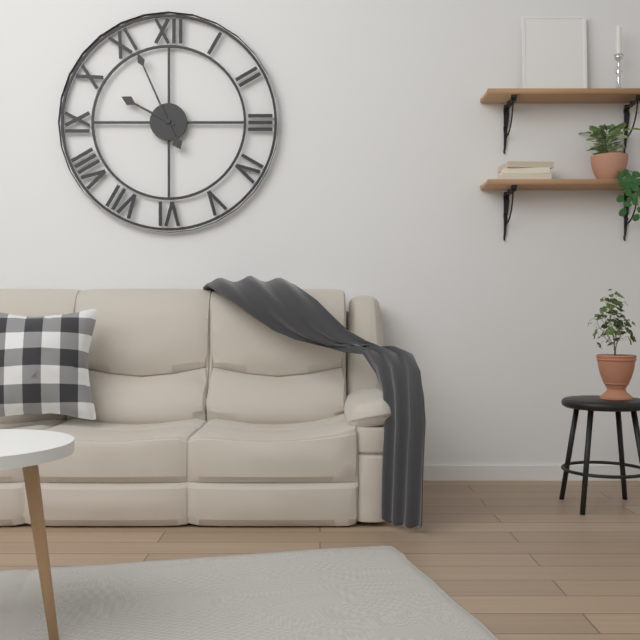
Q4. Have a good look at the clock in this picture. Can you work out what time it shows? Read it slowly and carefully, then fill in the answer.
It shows 9:56
